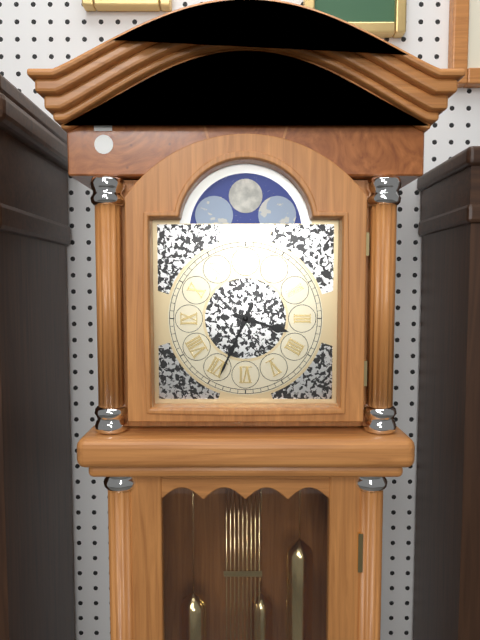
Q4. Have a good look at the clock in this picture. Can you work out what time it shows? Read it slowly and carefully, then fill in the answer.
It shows 3:34
